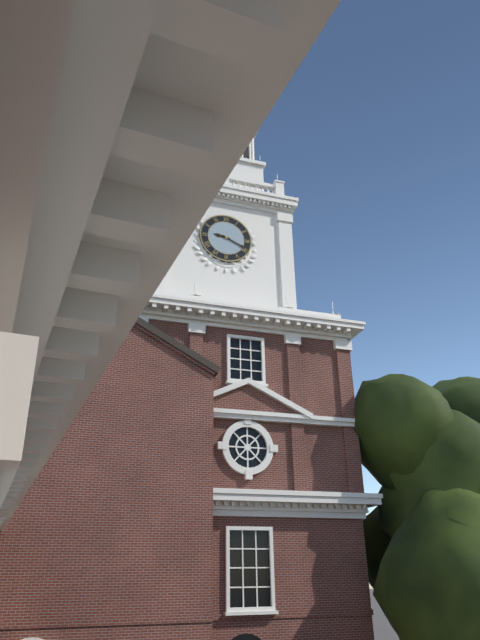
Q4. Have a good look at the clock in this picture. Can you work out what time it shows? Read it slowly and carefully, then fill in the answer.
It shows 9:19
